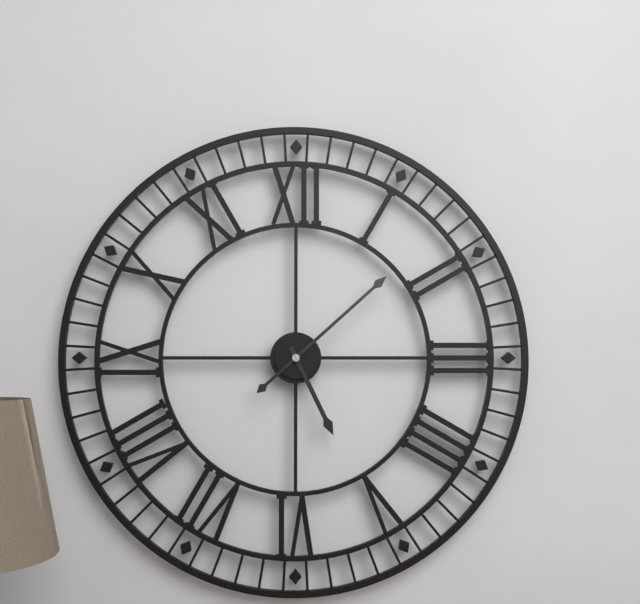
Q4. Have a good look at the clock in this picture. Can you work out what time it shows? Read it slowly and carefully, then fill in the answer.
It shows 5:08
